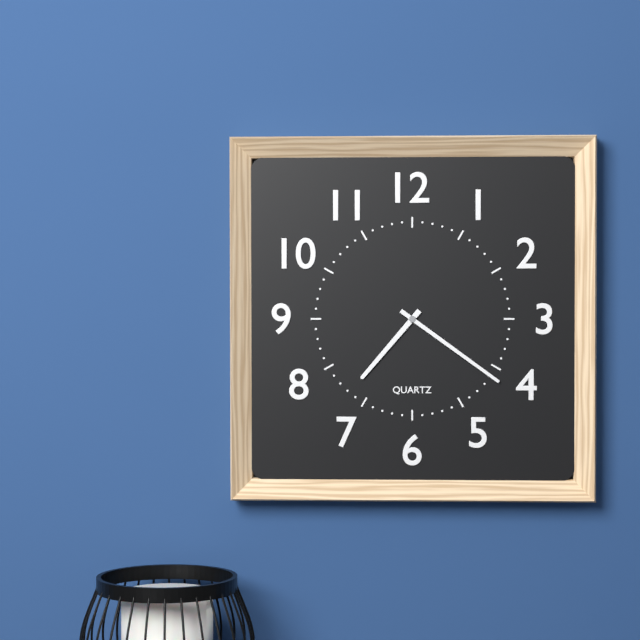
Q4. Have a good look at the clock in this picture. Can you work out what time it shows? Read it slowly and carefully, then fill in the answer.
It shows 7:21
